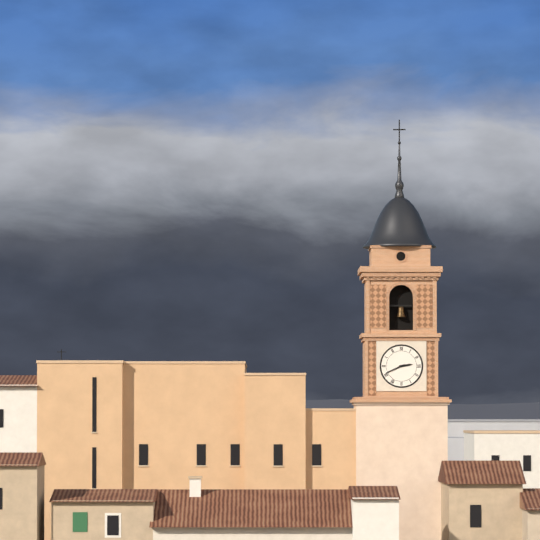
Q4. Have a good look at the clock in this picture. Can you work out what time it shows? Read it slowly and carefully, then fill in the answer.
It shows 2:41
